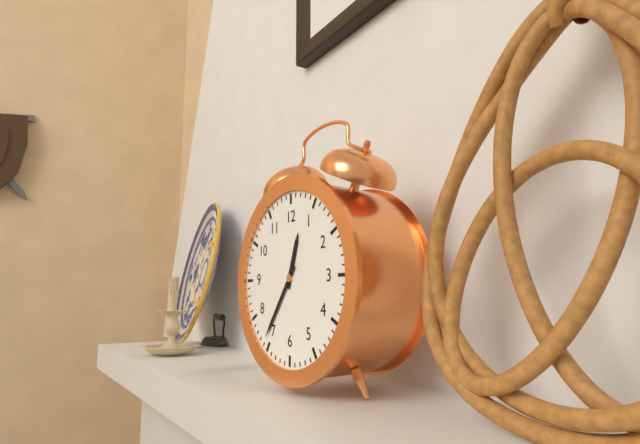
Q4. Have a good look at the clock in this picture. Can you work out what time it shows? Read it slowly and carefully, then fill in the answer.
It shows 12:36
